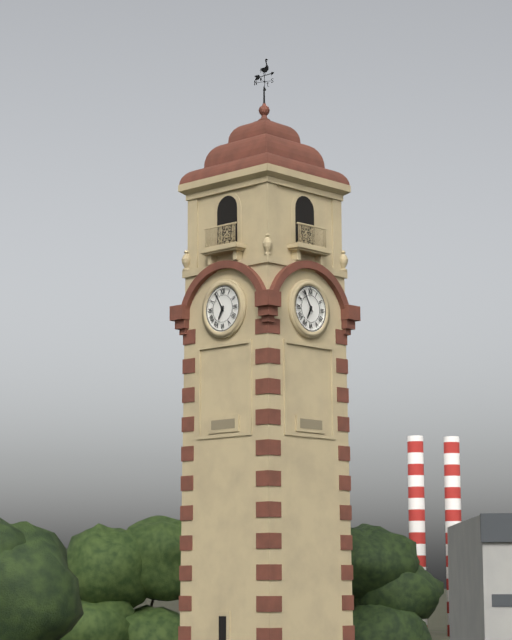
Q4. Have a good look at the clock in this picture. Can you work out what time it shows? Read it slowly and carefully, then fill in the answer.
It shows 6:55
